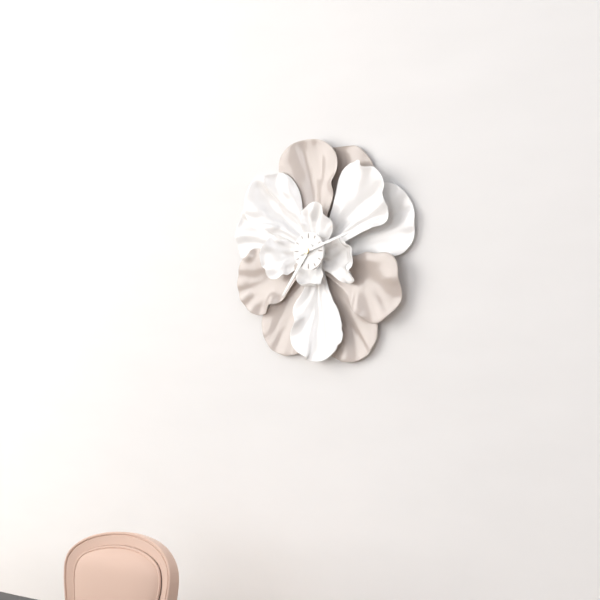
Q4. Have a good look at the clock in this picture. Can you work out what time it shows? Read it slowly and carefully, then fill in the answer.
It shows 7:12
